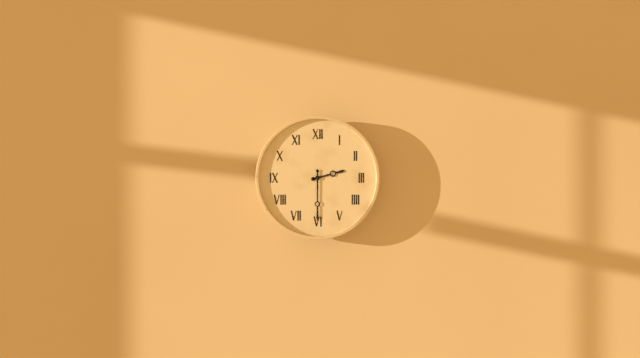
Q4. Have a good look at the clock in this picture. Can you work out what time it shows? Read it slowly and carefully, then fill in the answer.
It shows 2:30
